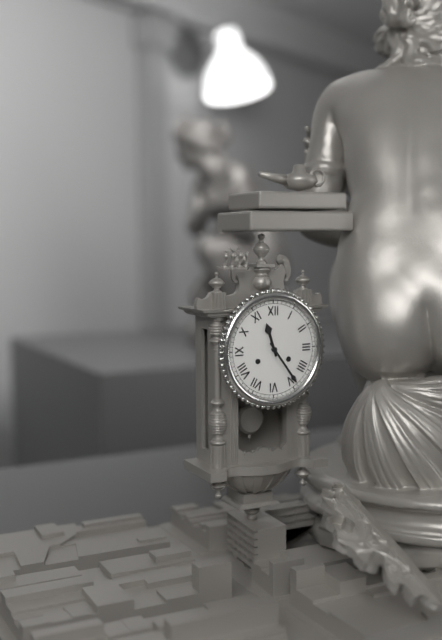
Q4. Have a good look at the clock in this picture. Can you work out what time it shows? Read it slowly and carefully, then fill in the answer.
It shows 11:24
